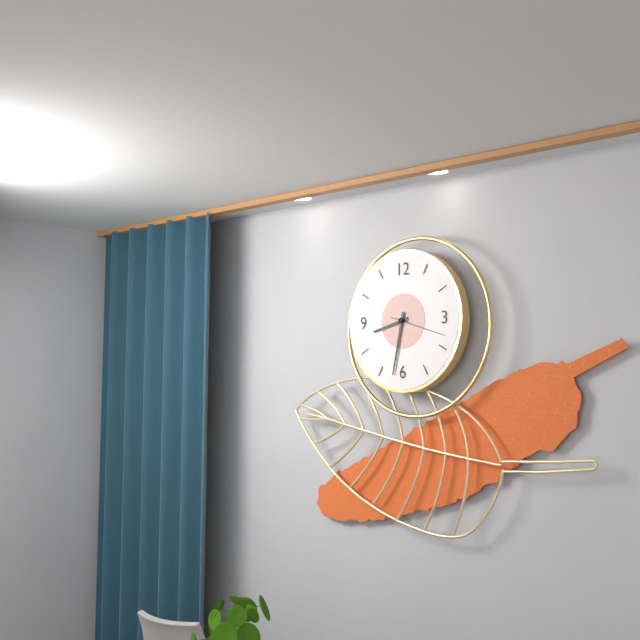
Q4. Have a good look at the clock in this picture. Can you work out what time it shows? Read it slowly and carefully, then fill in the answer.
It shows 8:32:18
